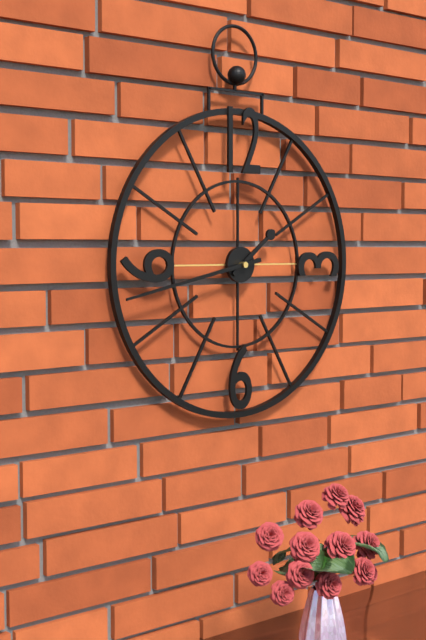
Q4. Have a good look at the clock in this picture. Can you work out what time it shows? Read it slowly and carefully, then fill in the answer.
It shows 1:43
